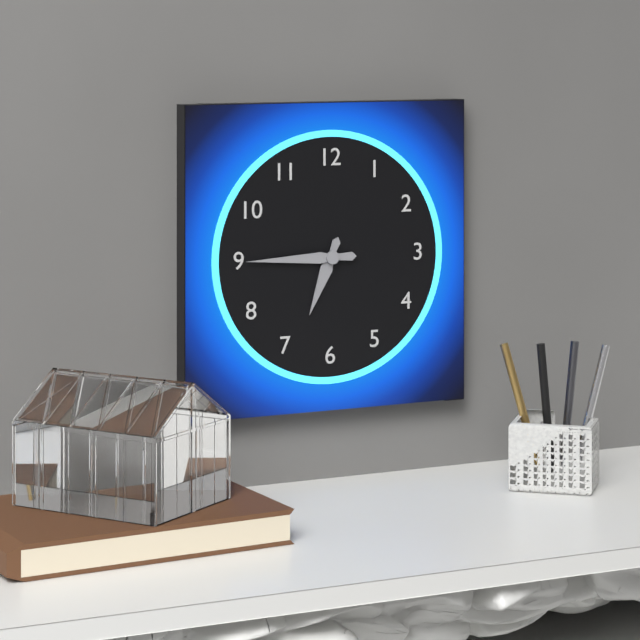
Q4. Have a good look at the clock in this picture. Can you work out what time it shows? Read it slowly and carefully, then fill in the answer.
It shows 6:45
